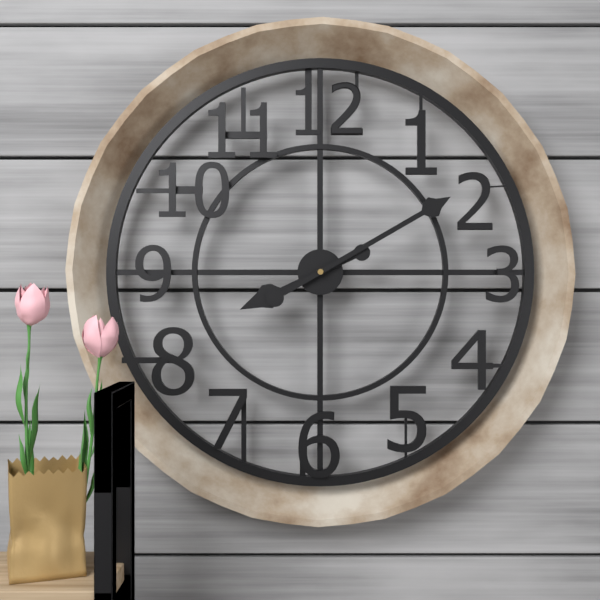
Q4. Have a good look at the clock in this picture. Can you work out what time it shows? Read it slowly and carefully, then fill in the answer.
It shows 8:10
